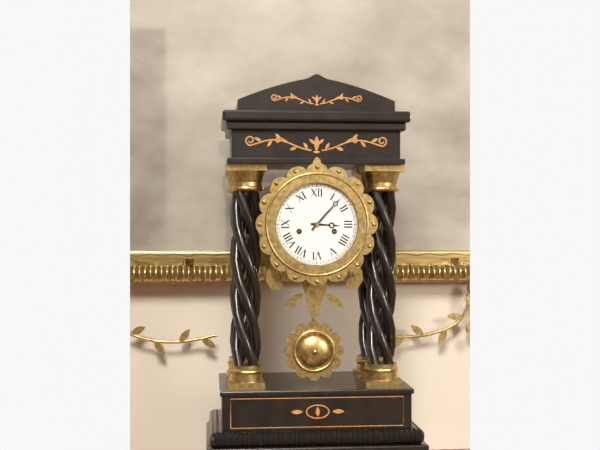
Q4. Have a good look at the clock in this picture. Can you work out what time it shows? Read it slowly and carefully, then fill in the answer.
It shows 3:07
